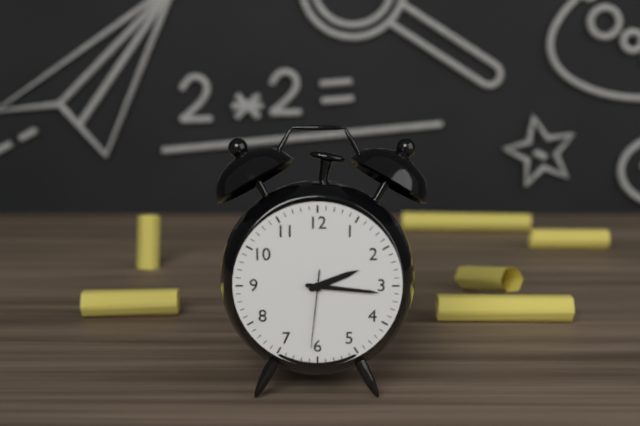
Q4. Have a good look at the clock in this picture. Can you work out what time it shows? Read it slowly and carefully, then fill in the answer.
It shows 2:16:31
